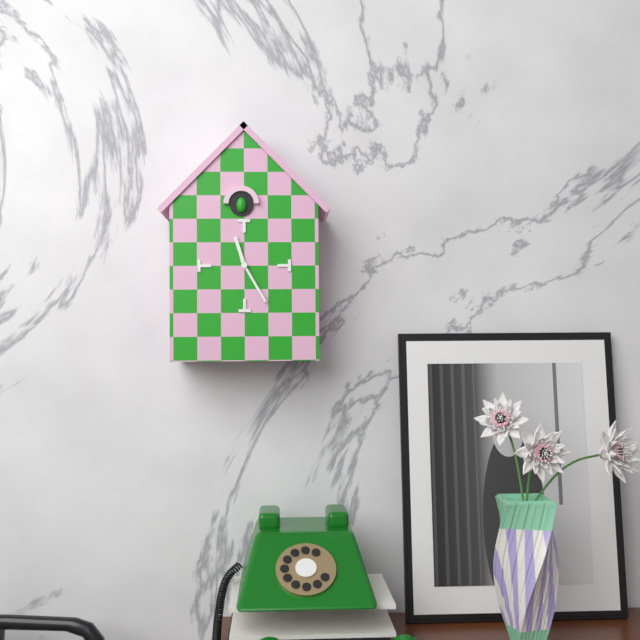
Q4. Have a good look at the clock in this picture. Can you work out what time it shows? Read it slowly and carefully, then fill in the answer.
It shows 11:25
